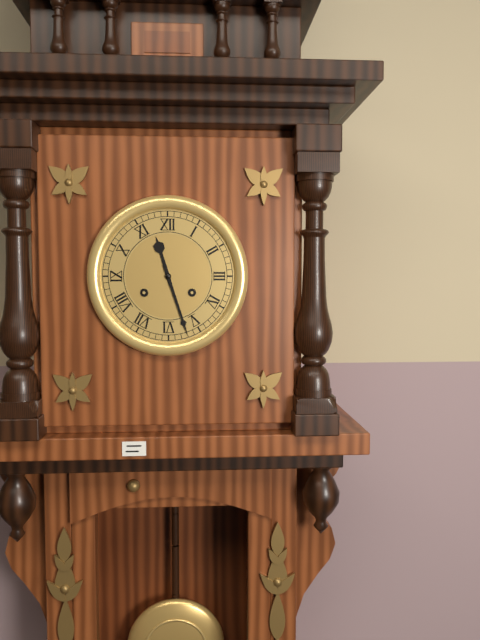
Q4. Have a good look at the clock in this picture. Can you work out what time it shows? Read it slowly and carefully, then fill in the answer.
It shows 11:27
